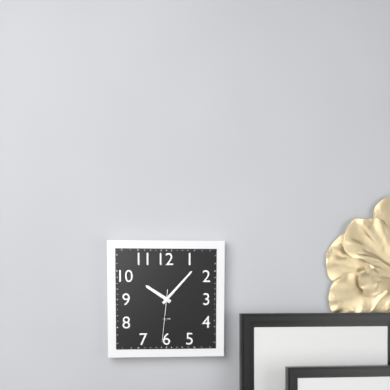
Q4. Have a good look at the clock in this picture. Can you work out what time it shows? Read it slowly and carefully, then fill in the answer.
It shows 10:07:31
